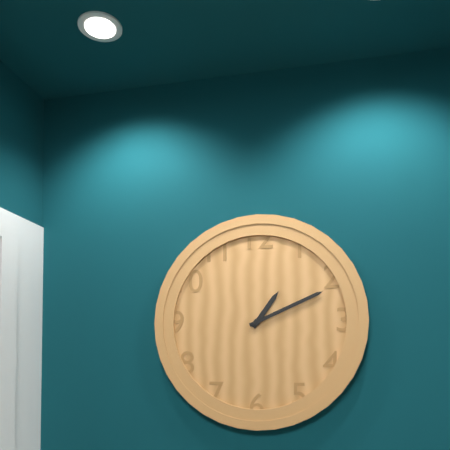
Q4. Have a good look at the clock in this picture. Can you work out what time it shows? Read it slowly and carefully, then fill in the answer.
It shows 1:11
